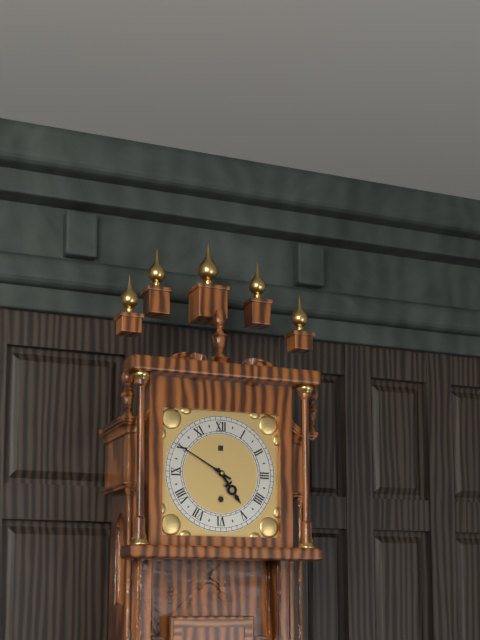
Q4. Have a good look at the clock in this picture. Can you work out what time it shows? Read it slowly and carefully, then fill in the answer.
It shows 4:50
